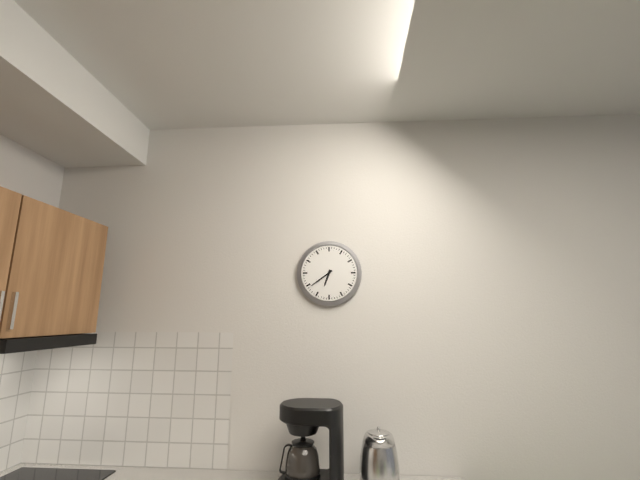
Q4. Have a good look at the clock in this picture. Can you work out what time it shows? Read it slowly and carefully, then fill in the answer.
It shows 6:39
